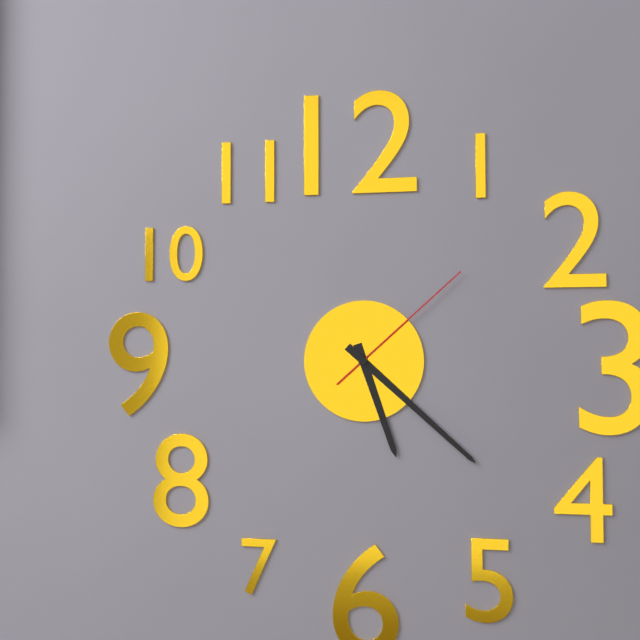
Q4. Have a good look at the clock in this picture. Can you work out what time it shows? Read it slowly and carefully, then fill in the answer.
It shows 5:22:08
